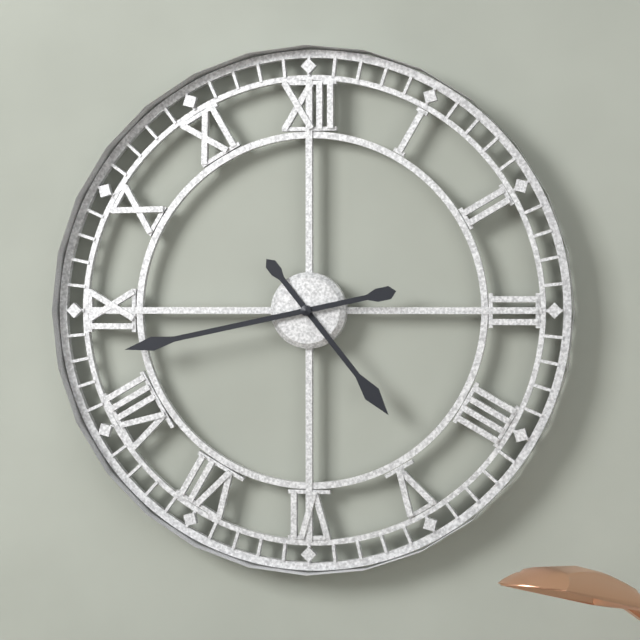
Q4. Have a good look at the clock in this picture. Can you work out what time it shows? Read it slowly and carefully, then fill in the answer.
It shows 4:43
